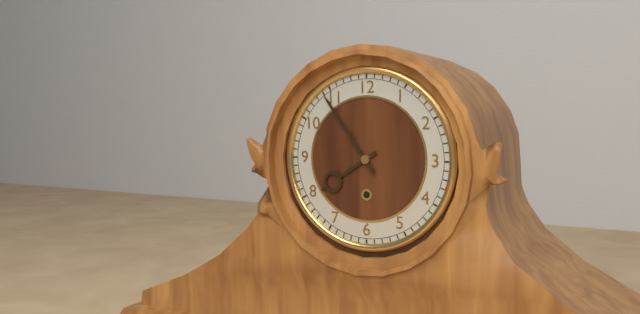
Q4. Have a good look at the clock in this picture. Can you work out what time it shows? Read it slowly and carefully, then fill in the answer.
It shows 7:54
